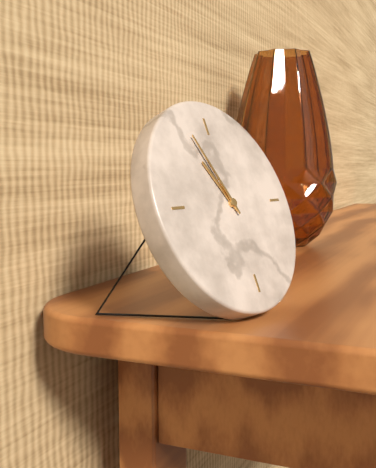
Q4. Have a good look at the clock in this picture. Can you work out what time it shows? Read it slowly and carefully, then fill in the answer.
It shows 10:56
